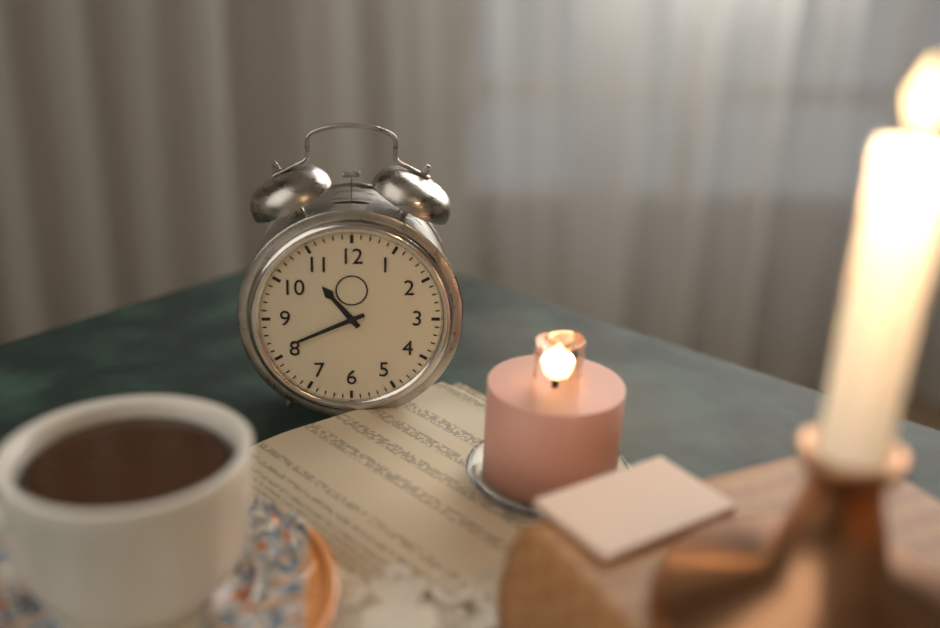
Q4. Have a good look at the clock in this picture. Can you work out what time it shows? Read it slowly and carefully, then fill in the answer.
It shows 10:41
